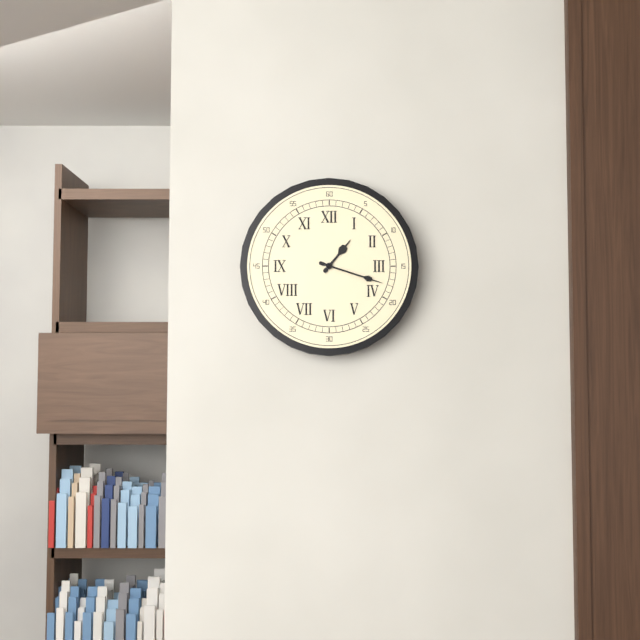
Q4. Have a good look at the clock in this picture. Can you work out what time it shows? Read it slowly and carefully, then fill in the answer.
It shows 1:18
